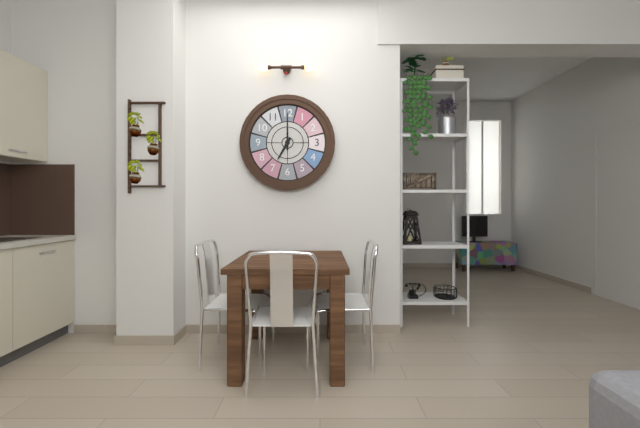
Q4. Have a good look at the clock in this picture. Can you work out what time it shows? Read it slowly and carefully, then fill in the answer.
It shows 7:00
